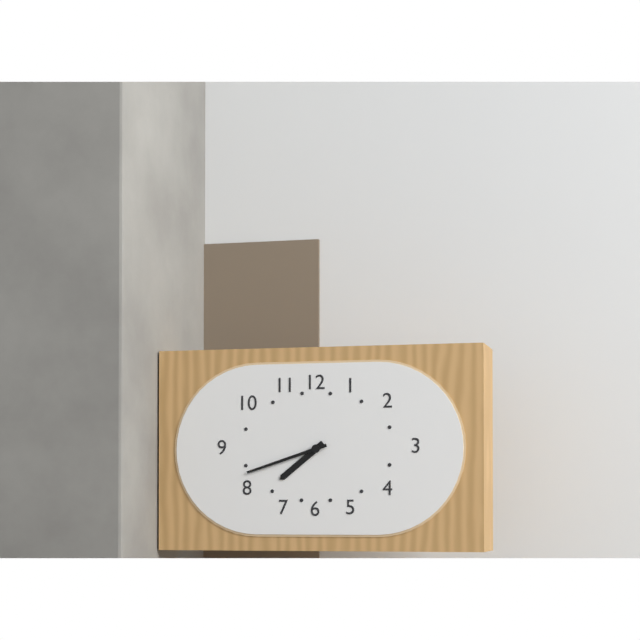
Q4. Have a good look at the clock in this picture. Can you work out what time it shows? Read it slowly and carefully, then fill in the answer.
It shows 7:42
